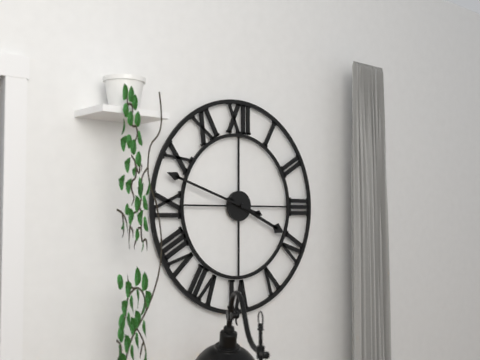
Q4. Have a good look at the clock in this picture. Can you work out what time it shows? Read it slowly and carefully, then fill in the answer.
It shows 3:48
